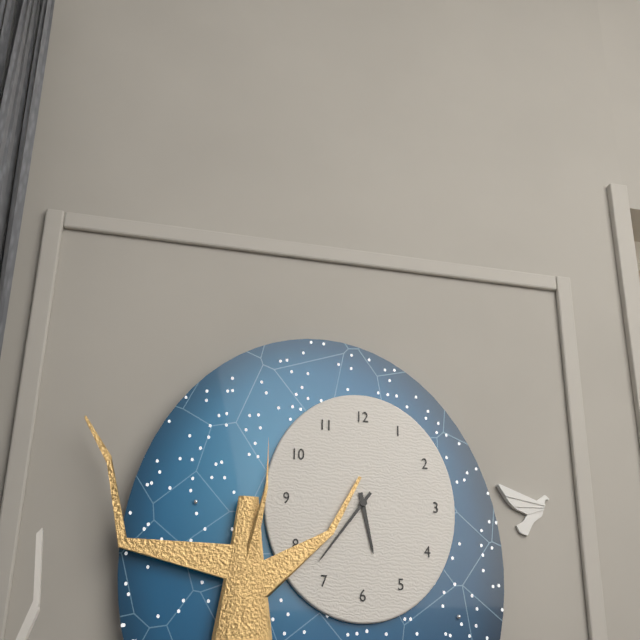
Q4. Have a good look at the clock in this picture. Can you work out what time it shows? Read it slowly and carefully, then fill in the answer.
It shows 5:36
